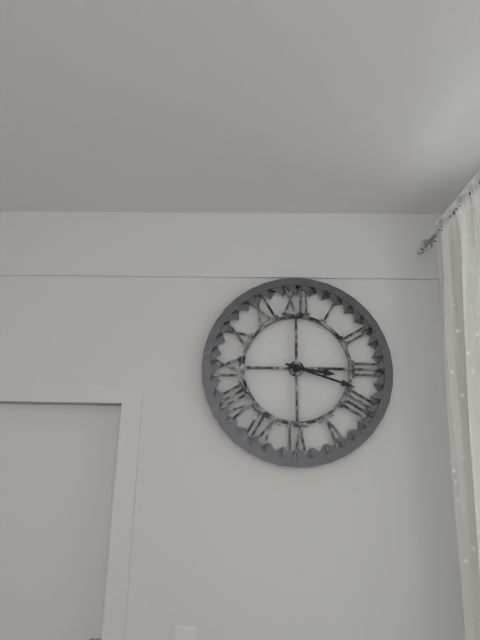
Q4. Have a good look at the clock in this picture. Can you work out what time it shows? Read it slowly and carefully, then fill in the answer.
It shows 3:18
